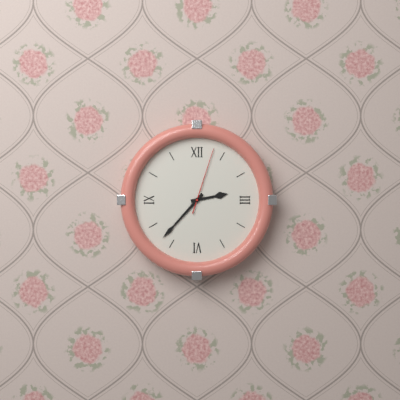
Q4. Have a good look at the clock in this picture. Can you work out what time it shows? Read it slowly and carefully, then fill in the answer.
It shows 2:37:03
